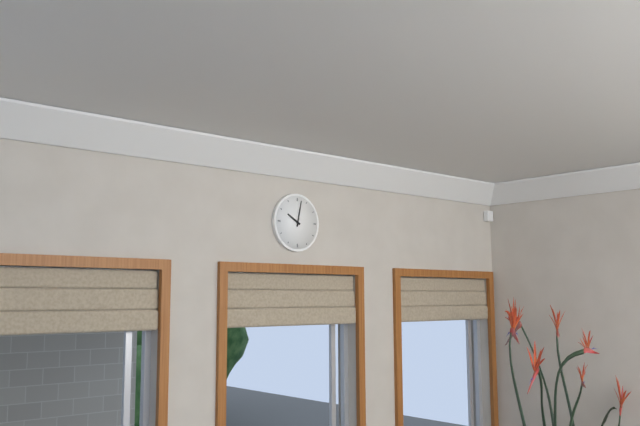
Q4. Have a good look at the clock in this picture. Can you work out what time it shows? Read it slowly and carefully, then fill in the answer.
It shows 10:02
